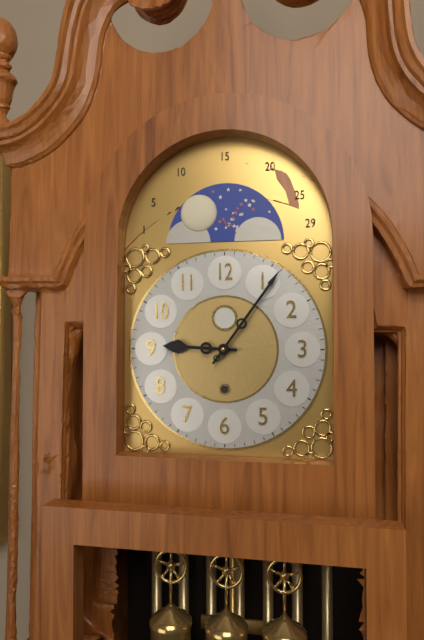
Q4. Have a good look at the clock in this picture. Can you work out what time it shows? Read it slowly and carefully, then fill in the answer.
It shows 9:06
